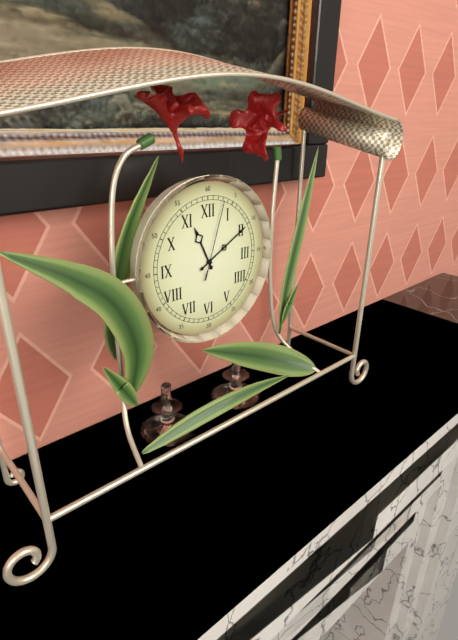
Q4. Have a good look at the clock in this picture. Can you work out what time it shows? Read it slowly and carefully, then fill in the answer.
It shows 11:10:03
